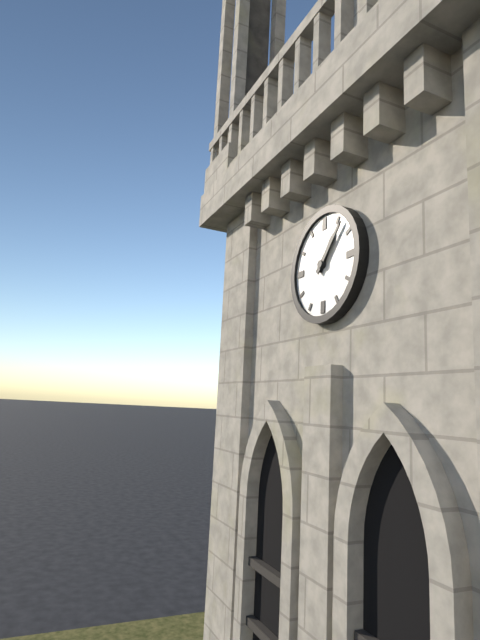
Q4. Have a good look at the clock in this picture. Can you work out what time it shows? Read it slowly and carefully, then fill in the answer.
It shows 1:07
